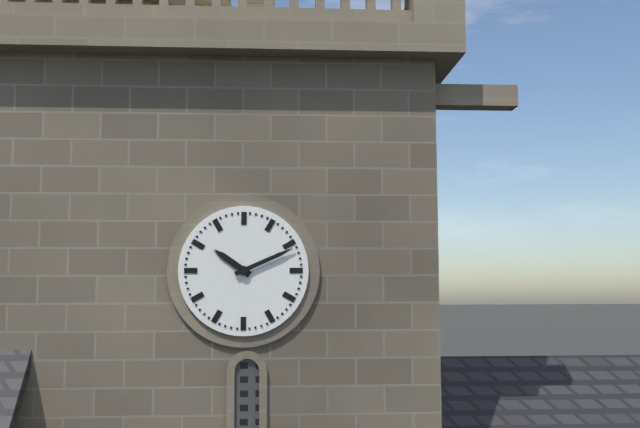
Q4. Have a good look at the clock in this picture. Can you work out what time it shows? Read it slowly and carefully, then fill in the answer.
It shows 10:11
